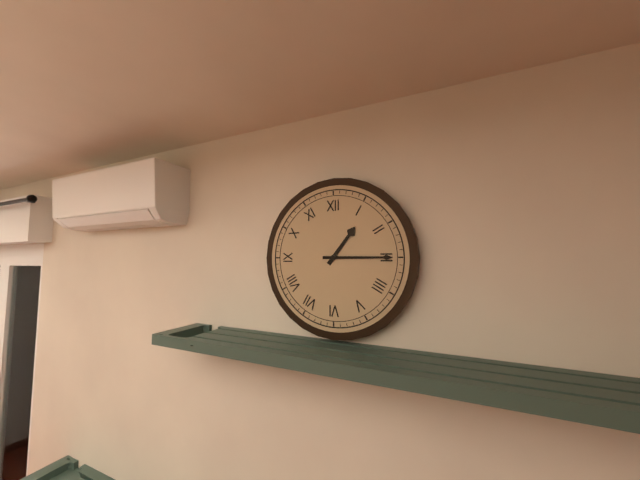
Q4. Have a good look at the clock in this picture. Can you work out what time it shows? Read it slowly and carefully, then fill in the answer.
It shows 1:15
